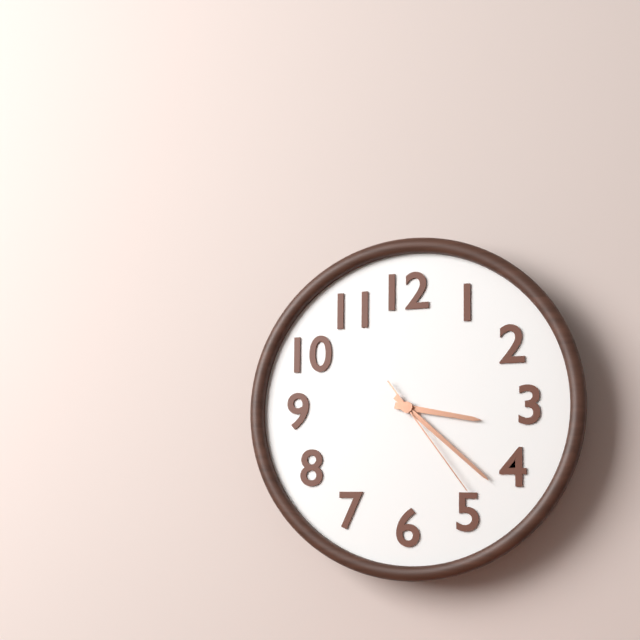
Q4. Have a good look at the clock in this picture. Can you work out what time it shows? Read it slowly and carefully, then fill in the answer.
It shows 3:22:24
